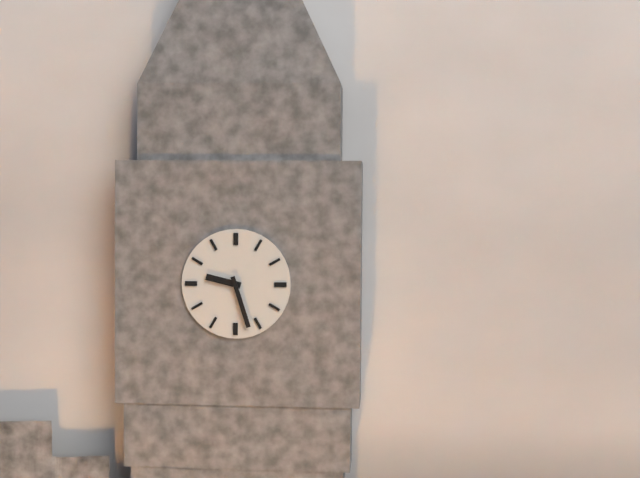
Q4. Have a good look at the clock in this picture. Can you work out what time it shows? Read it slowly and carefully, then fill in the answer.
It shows 9:27
